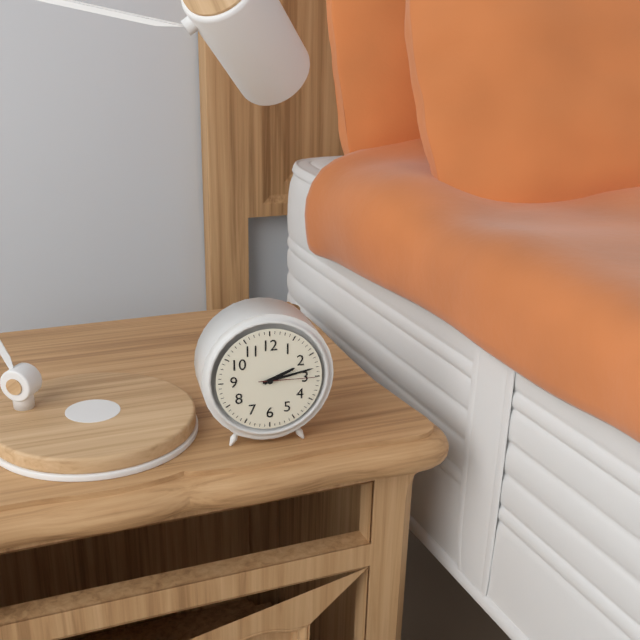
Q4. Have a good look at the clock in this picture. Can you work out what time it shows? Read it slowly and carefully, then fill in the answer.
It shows 2:13:15
